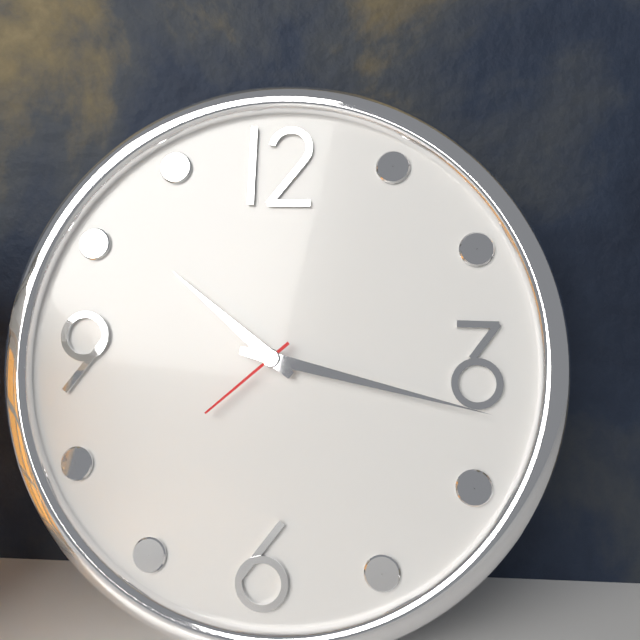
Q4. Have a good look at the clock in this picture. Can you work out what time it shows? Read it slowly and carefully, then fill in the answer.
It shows 10:17:38
